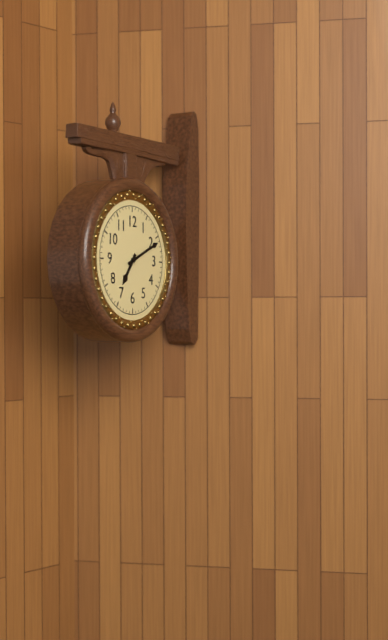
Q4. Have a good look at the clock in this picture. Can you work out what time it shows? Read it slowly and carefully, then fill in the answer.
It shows 7:11
